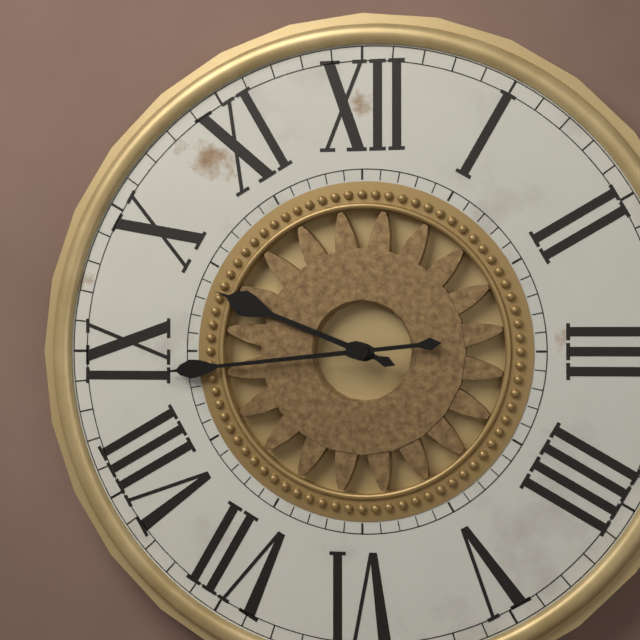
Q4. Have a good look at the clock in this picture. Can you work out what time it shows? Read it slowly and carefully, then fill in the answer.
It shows 9:44
